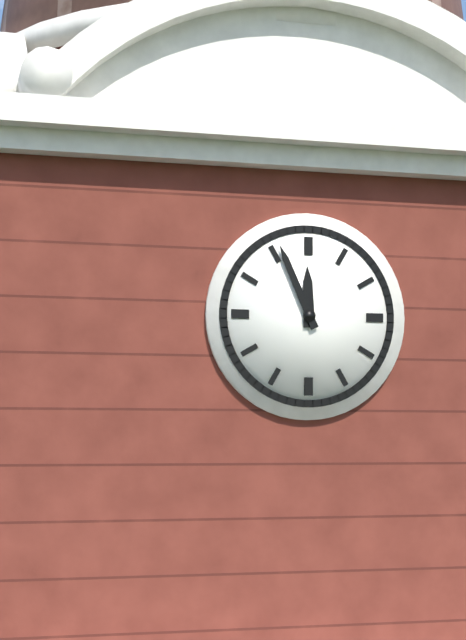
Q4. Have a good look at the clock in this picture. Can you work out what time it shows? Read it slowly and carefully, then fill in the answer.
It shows 11:56
